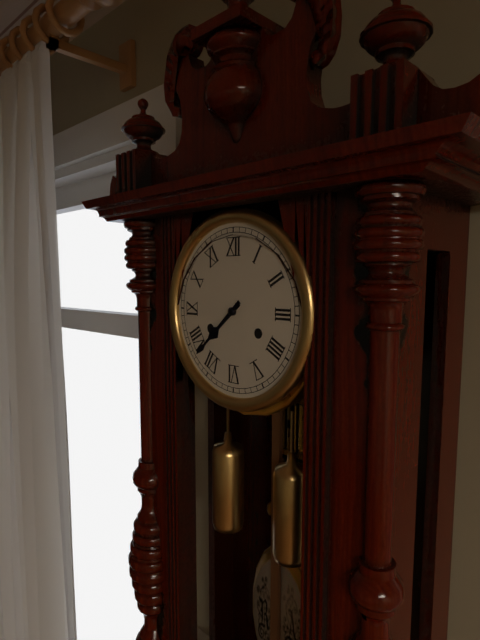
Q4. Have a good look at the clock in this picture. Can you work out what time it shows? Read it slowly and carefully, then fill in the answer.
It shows 7:38
